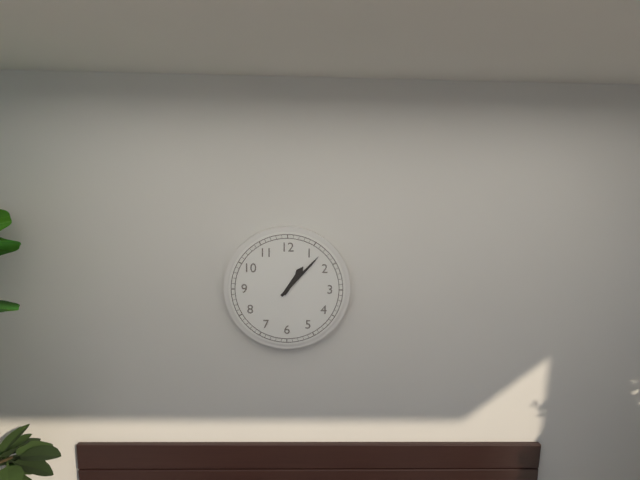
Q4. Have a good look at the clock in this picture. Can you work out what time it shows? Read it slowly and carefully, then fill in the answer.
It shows 1:07
